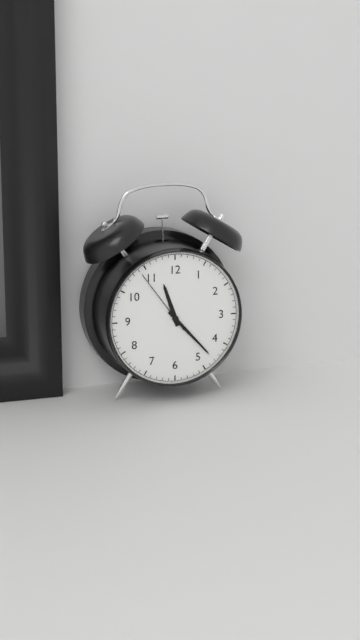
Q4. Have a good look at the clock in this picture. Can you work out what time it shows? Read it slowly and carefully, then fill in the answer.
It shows 11:23:54
